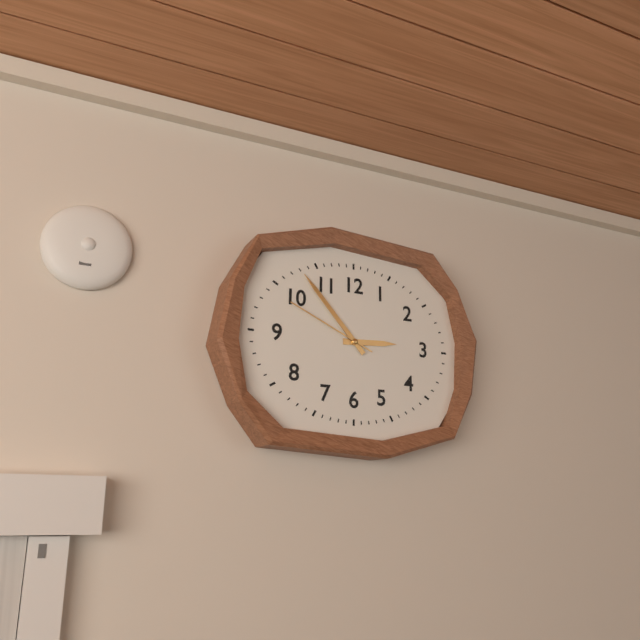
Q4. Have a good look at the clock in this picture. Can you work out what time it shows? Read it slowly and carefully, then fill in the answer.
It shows 2:53:49
